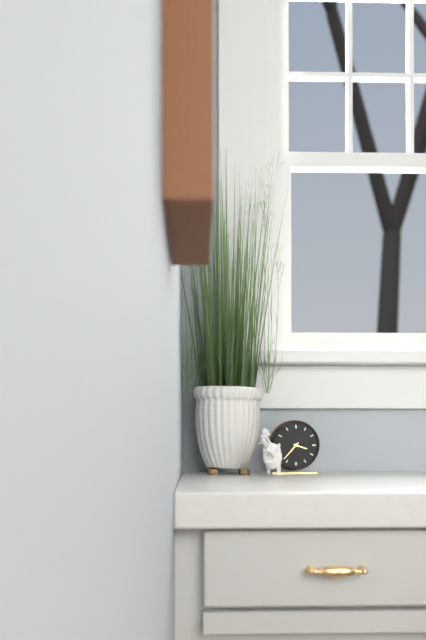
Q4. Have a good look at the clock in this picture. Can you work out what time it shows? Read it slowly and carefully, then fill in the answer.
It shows 3:37
